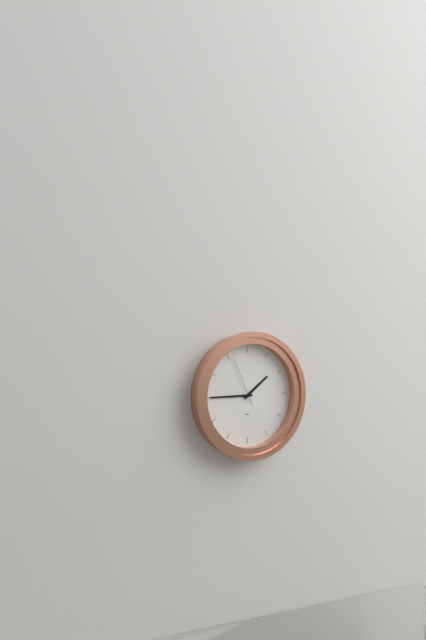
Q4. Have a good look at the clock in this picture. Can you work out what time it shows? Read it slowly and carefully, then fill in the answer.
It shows 1:45:56
